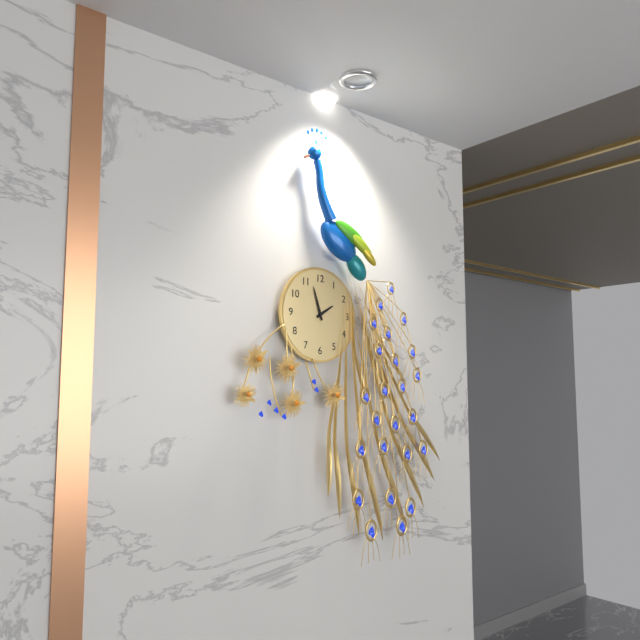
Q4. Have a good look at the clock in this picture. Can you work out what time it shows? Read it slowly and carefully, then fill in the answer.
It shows 1:57
